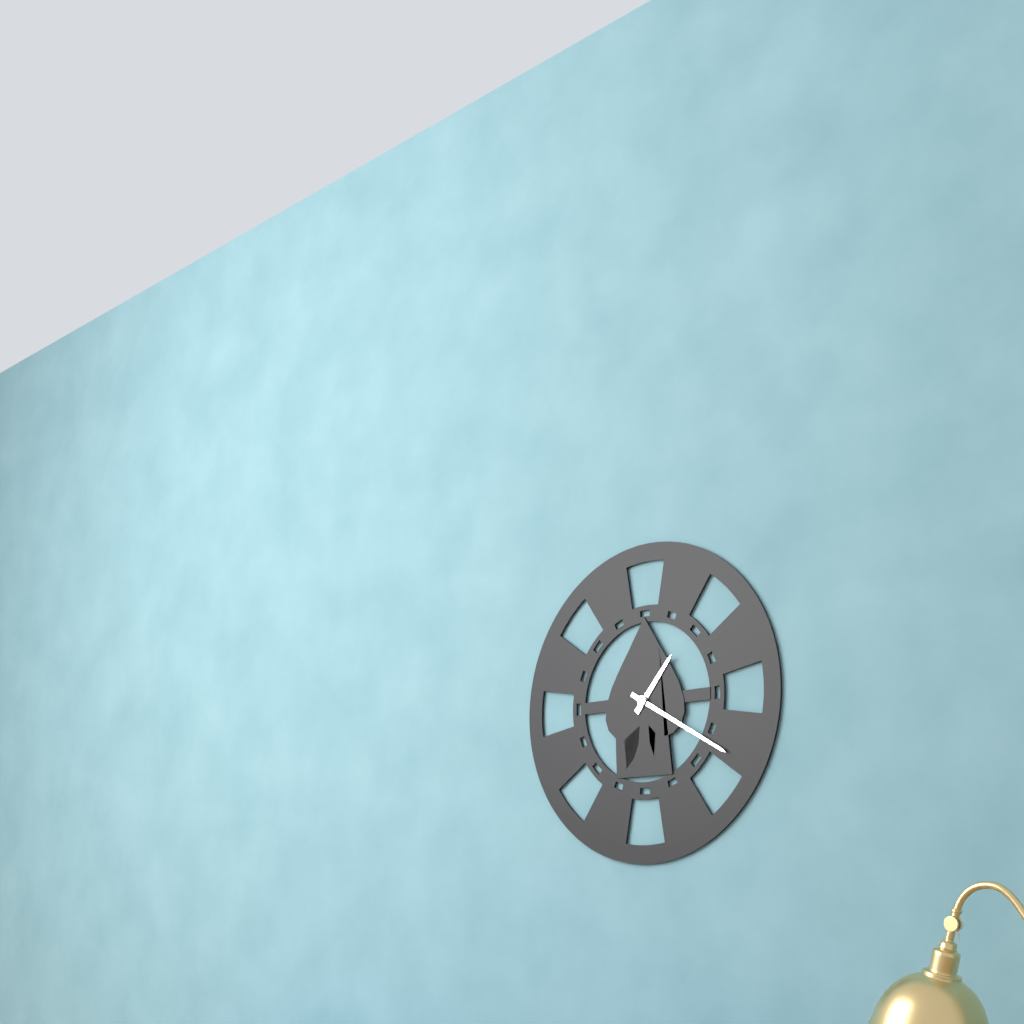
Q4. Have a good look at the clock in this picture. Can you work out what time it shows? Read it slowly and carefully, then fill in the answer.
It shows 1:20
